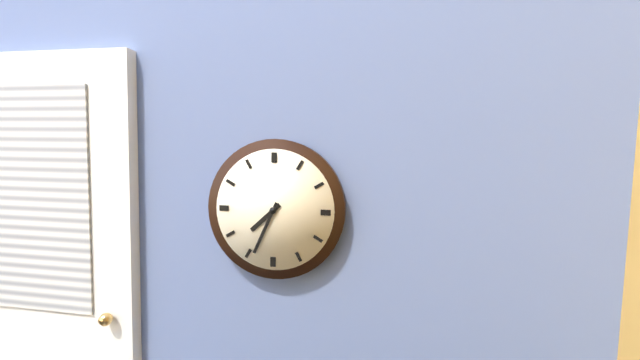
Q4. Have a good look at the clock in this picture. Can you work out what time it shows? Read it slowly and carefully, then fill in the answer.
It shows 7:34
